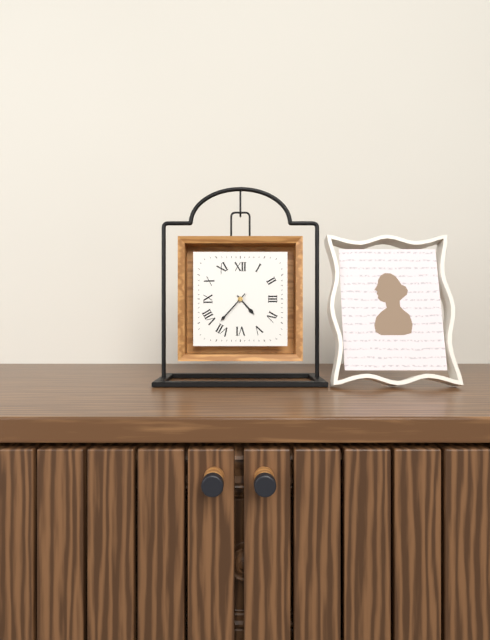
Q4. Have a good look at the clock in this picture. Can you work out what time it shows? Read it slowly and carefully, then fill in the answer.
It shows 4:37
